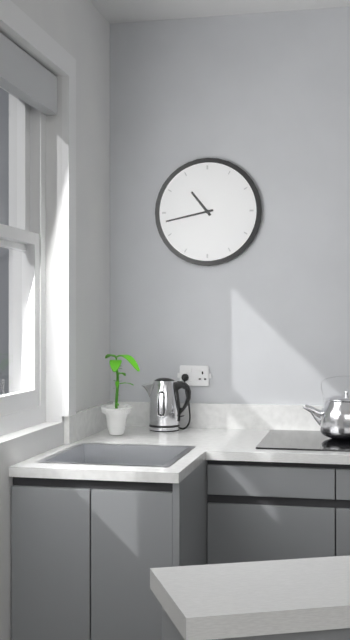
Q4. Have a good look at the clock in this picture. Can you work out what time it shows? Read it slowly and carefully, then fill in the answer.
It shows 10:43
